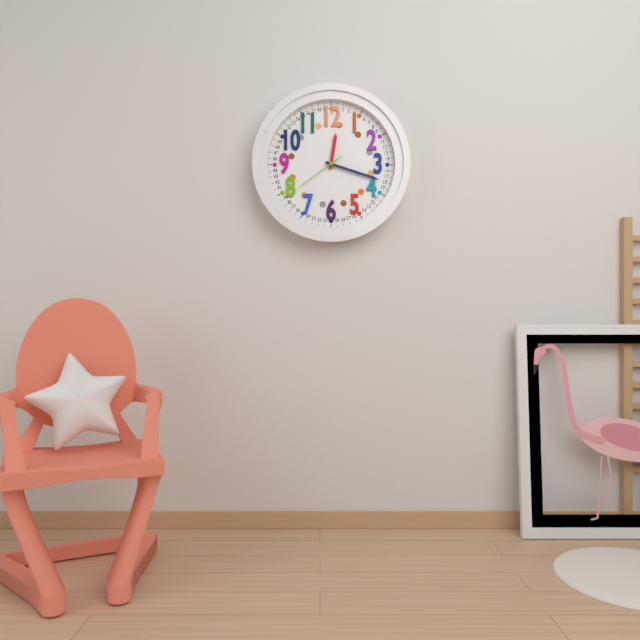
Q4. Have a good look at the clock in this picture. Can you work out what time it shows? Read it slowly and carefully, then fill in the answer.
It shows 12:18:39
